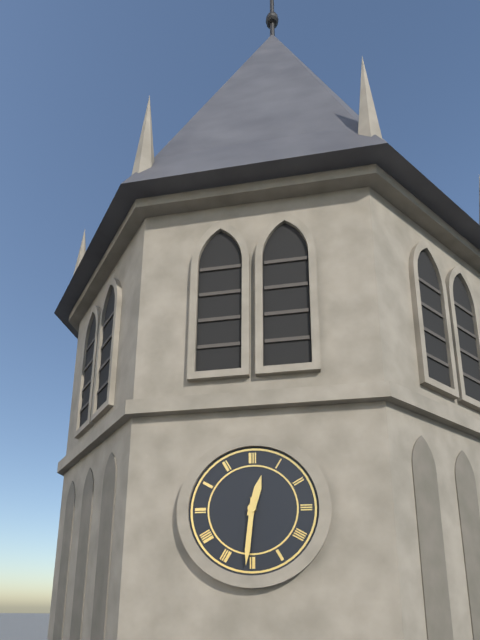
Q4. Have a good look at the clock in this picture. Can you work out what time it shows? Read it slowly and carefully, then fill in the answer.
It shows 12:31
